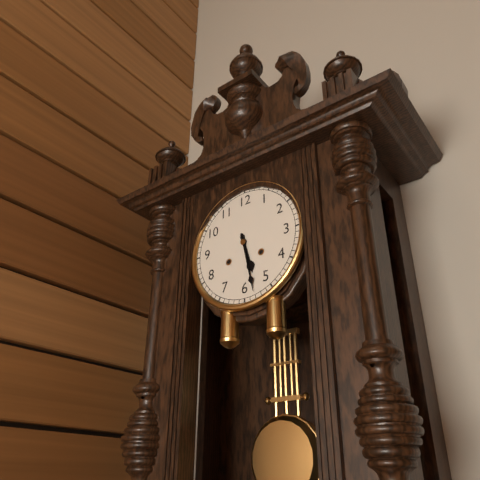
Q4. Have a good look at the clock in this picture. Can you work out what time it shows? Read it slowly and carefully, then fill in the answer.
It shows 5:28
